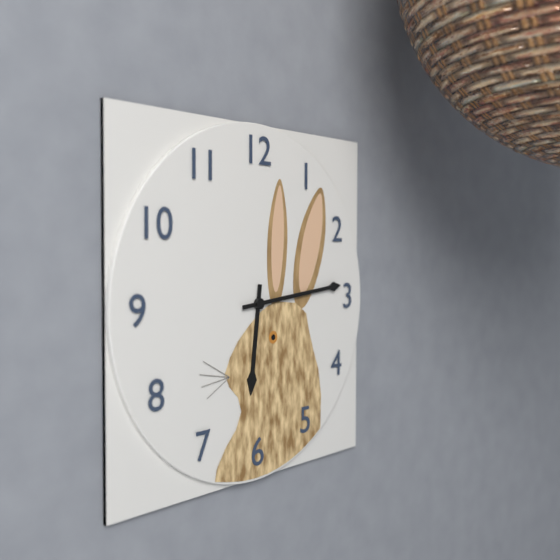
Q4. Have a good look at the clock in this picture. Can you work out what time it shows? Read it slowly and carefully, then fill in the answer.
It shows 6:14
